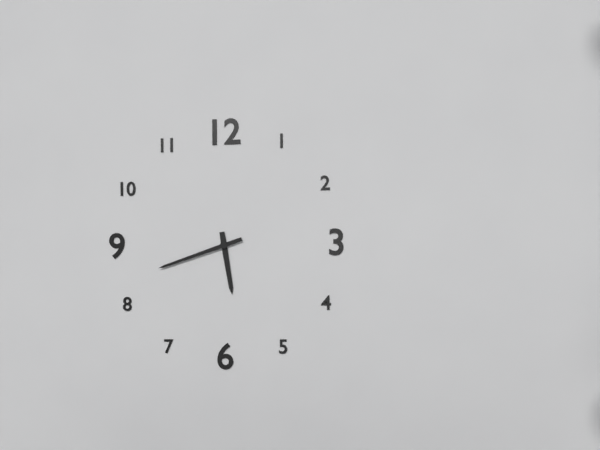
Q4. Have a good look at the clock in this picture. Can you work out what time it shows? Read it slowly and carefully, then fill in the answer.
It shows 5:42
